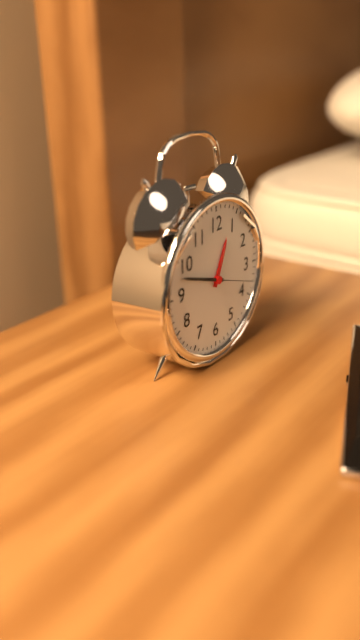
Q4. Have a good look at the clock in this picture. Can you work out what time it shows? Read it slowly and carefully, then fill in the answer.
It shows 12:48
